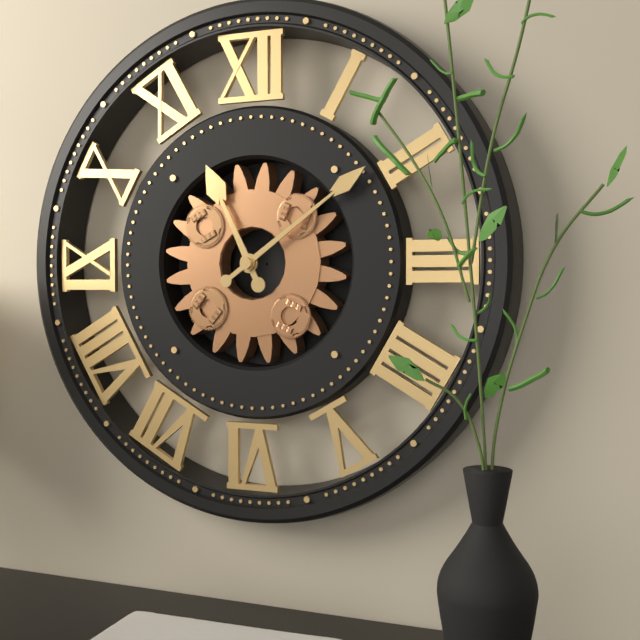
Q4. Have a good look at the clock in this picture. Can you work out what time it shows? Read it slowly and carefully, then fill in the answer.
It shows 11:09
